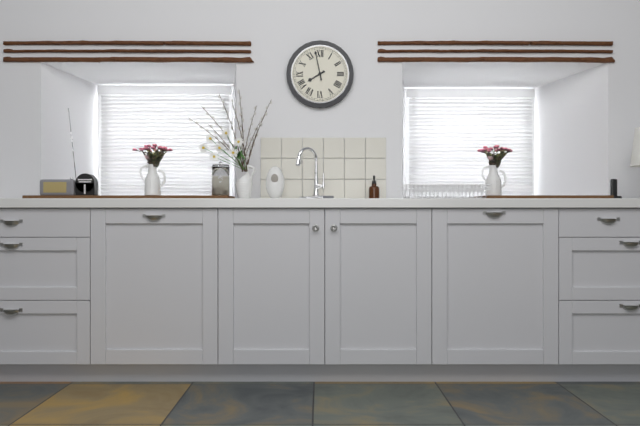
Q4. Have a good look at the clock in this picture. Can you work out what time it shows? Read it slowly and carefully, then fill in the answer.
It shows 7:58
